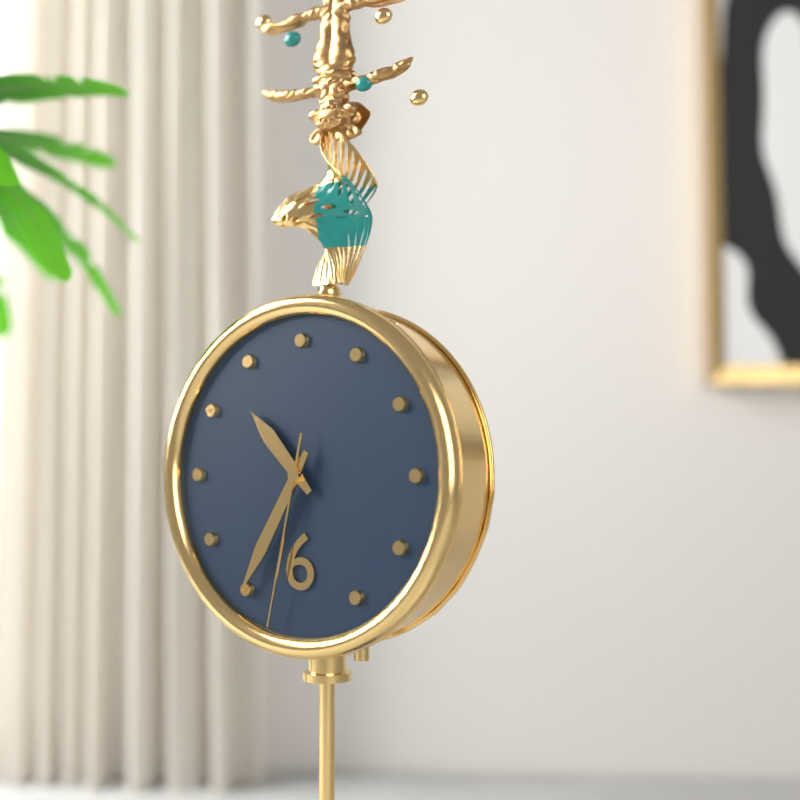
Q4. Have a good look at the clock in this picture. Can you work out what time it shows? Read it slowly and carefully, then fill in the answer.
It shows 10:35:32
